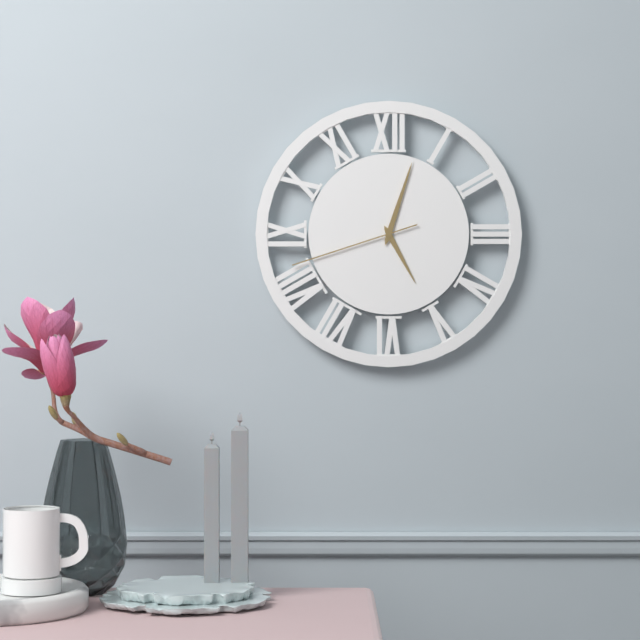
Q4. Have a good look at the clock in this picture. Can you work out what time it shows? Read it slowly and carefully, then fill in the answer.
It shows 5:03:42
